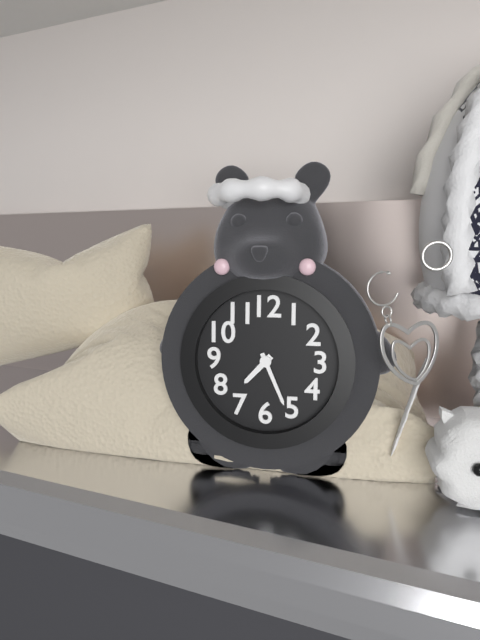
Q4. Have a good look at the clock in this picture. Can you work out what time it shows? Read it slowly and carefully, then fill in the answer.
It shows 7:26
